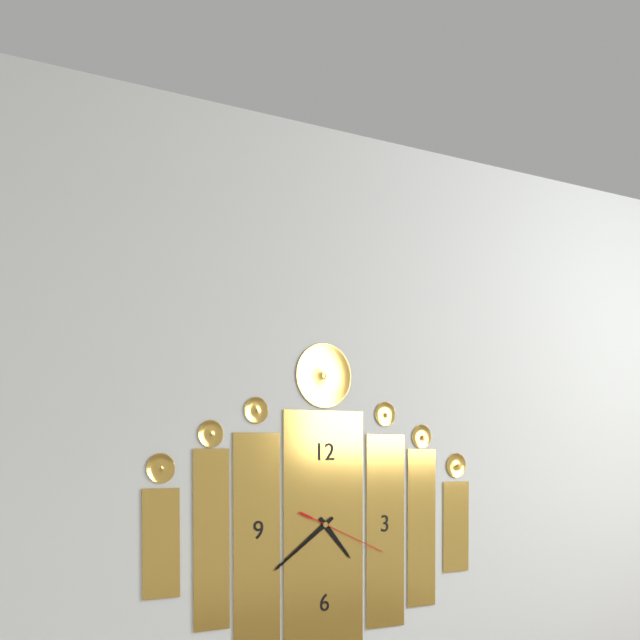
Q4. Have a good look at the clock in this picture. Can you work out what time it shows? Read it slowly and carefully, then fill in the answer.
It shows 4:39:19
